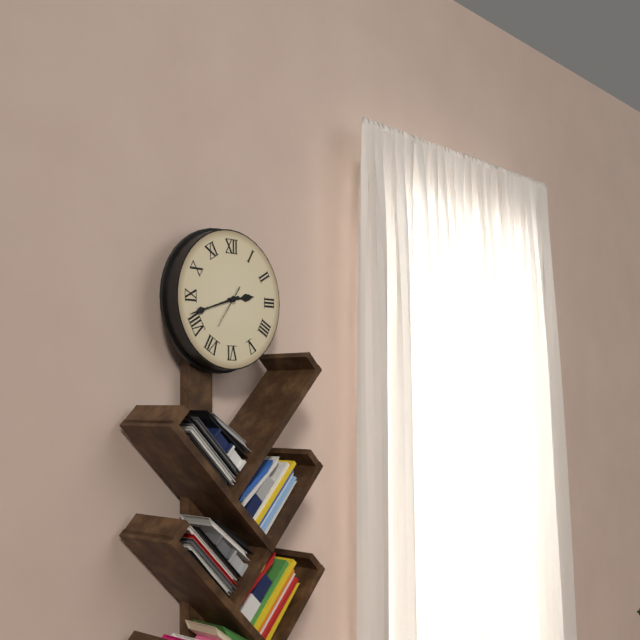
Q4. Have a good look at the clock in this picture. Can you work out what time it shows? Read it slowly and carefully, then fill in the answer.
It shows 2:42
